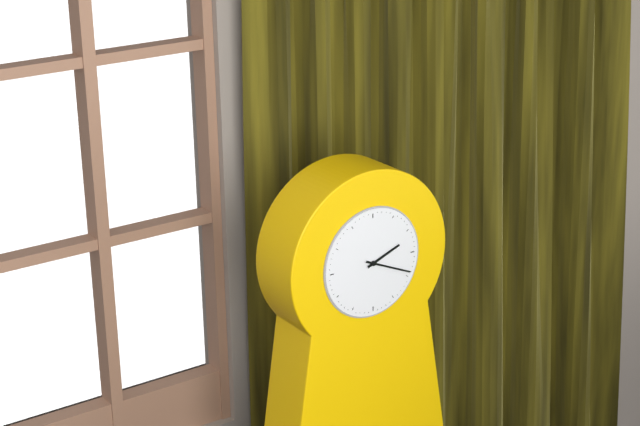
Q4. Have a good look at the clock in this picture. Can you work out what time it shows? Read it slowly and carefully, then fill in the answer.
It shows 2:19
